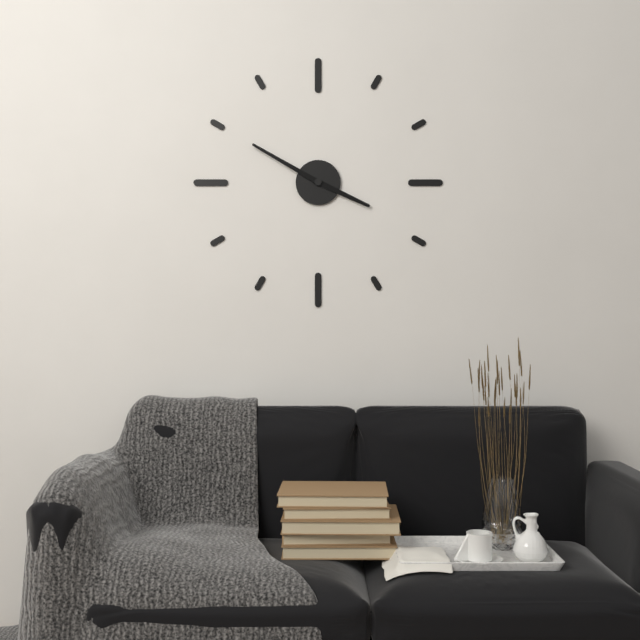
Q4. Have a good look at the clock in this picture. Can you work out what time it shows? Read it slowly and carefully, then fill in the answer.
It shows 3:50
